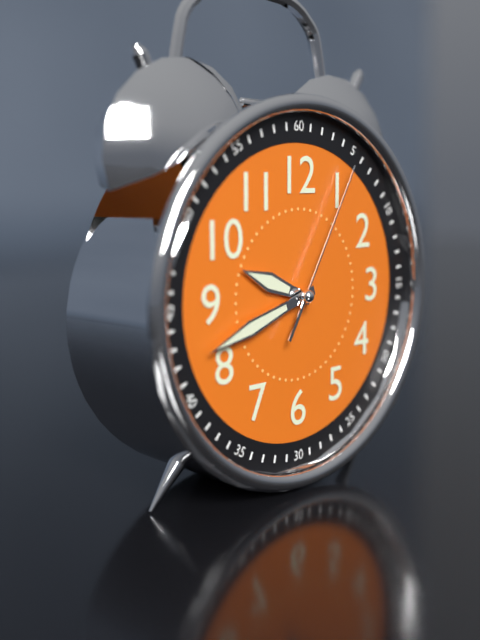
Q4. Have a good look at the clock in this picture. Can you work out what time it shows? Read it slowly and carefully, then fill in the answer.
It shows 9:42:05
